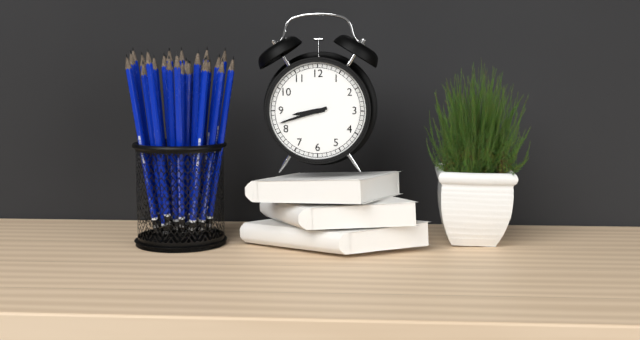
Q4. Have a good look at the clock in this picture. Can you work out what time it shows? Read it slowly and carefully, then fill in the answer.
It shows 8:42
